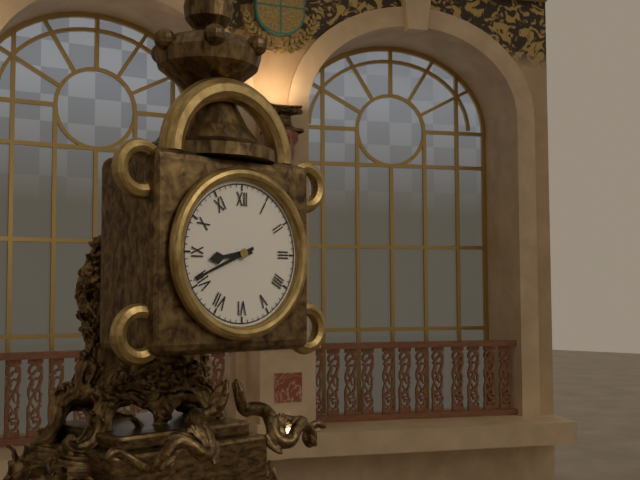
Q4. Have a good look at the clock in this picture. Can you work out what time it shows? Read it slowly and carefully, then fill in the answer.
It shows 8:41
